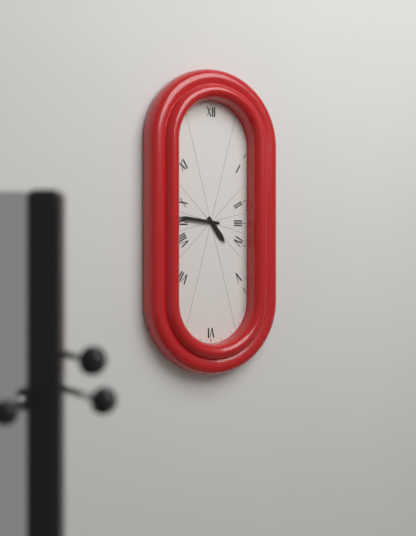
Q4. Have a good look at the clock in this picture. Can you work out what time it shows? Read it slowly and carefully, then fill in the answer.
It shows 4:46
